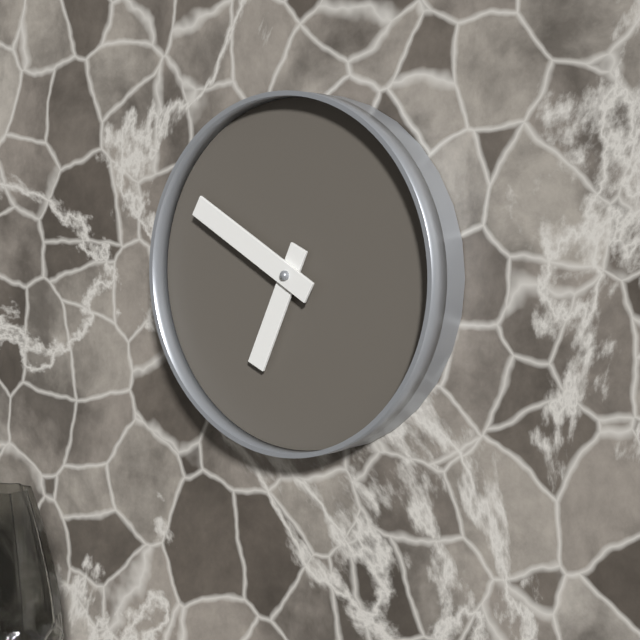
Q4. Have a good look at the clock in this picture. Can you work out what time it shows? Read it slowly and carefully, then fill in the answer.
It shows 6:50
